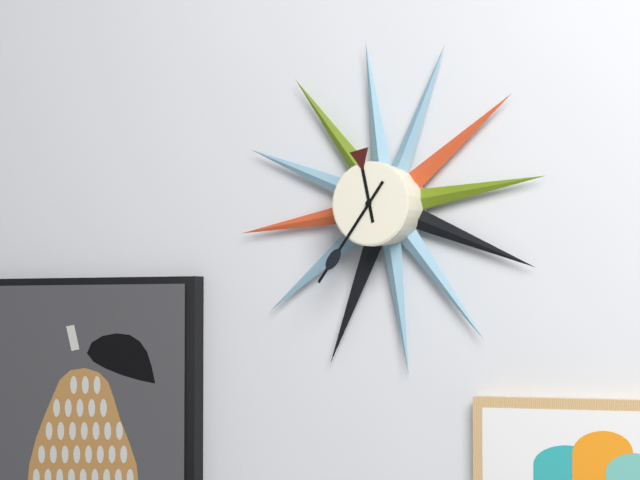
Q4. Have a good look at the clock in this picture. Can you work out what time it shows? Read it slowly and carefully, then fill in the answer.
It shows 11:36
